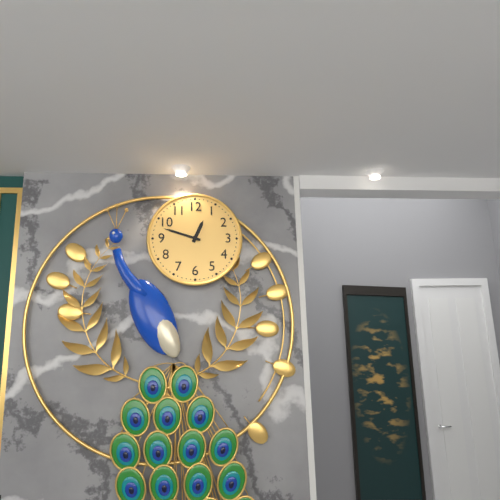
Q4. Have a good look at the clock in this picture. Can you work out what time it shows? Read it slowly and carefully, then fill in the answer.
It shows 12:48
